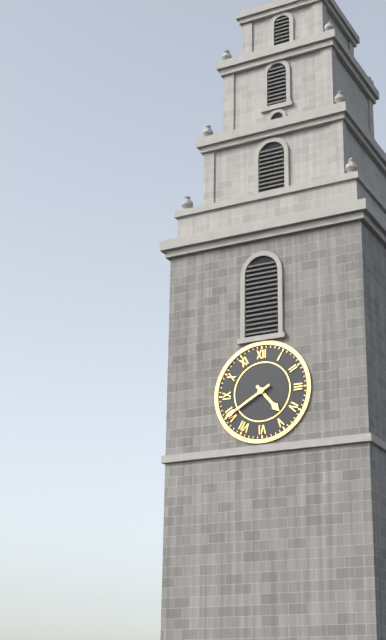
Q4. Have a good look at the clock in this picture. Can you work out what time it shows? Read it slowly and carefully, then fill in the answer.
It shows 4:40
